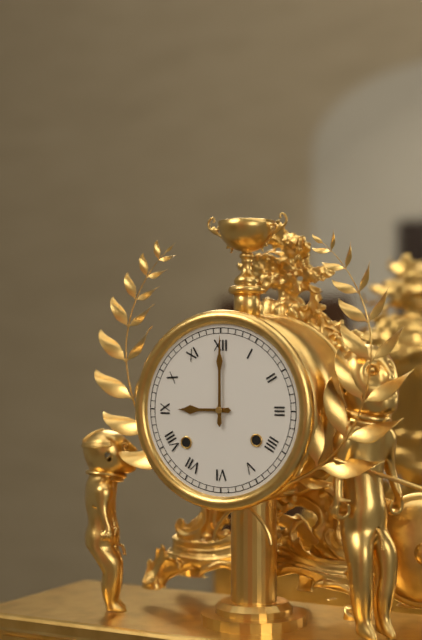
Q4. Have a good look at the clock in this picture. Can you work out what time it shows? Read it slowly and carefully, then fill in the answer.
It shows 9:00
